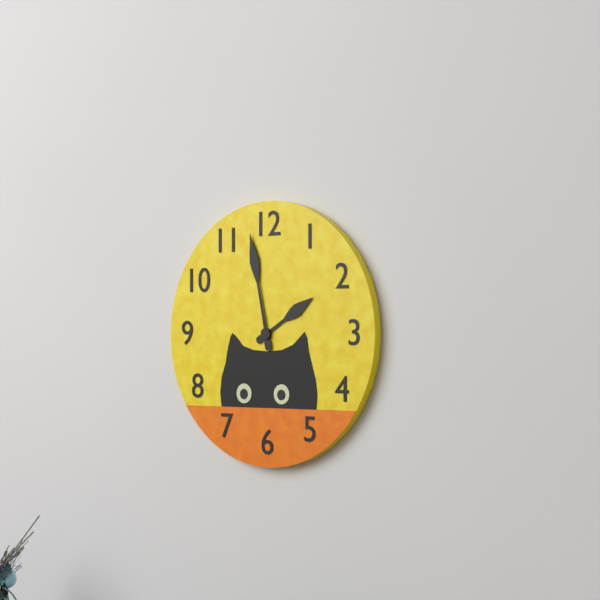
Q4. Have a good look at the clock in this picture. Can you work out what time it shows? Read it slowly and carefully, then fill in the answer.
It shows 1:58
